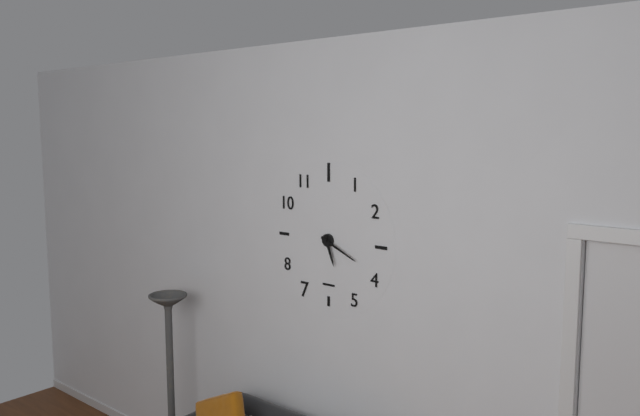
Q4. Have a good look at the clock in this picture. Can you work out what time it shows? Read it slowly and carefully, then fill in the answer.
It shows 5:19
